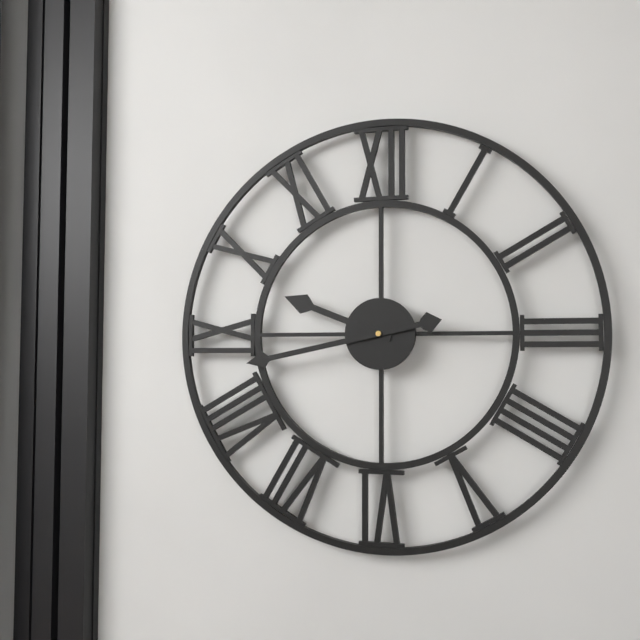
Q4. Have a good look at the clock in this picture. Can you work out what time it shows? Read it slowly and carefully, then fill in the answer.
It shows 9:43
